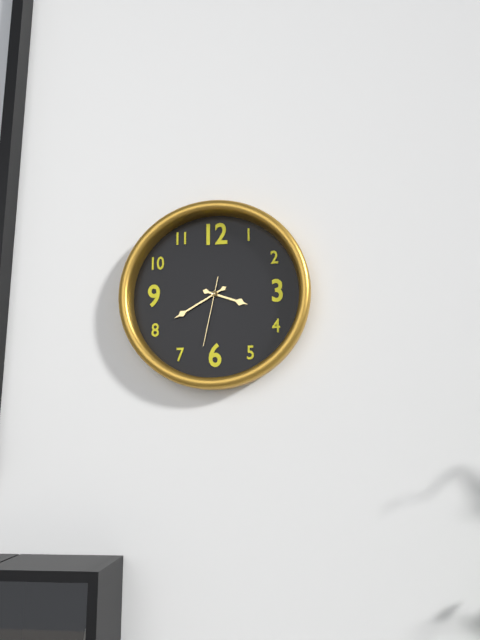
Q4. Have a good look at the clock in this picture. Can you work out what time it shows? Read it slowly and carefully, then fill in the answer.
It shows 3:40:32
